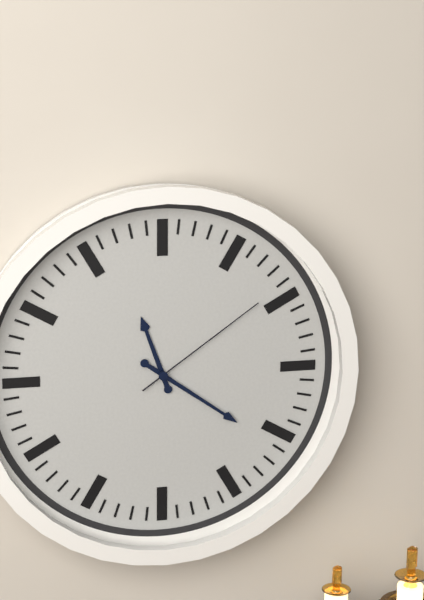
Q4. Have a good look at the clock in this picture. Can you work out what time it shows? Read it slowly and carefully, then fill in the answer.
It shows 11:21:09
